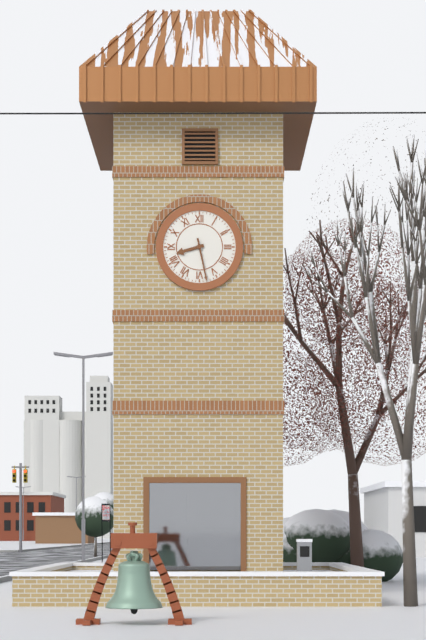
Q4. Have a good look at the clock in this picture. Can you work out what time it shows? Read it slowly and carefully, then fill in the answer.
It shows 8:28
